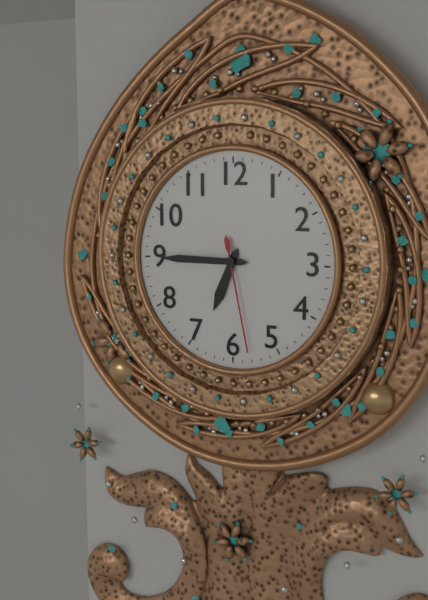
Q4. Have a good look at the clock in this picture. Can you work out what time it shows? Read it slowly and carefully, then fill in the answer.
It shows 6:45:28
